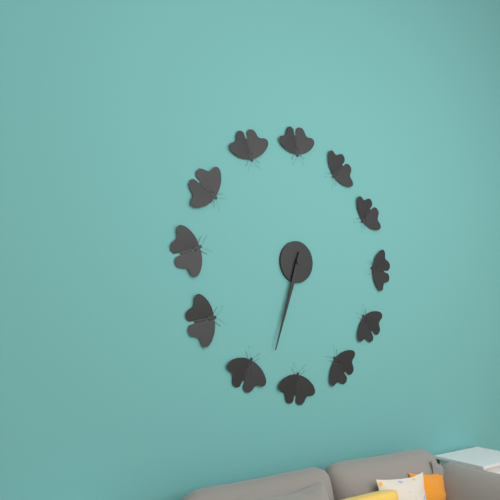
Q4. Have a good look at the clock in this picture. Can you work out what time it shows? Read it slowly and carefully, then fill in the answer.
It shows 6:33
